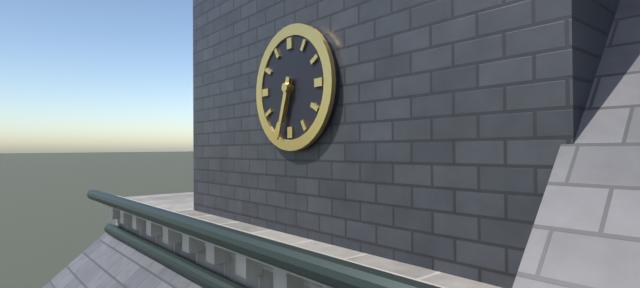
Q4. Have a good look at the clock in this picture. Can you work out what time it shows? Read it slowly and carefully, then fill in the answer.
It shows 6:33
